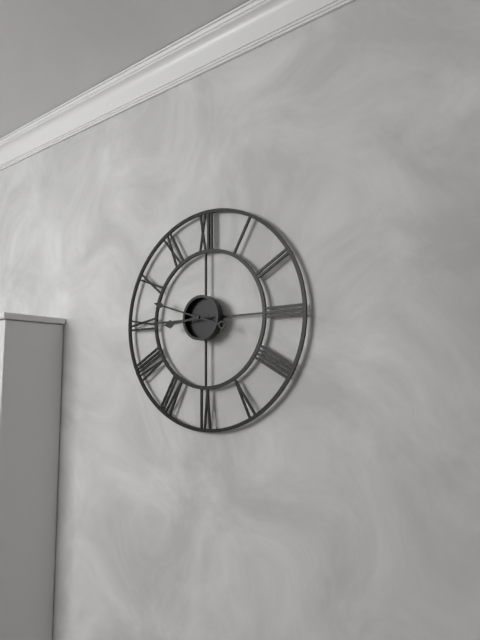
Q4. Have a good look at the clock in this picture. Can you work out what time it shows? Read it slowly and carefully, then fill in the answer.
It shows 8:48
